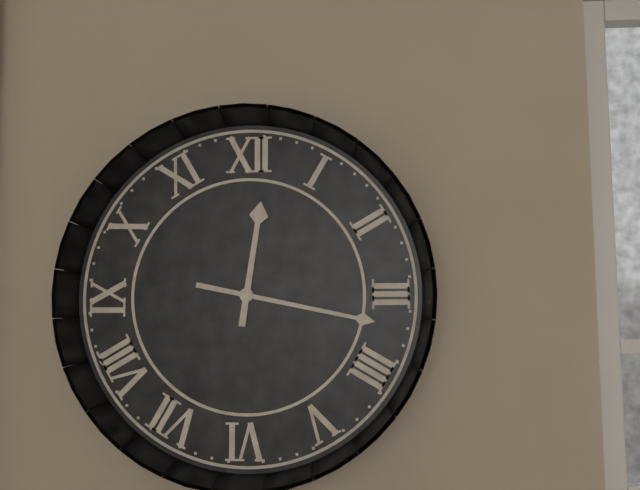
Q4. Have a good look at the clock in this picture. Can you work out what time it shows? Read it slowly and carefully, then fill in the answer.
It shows 12:17
